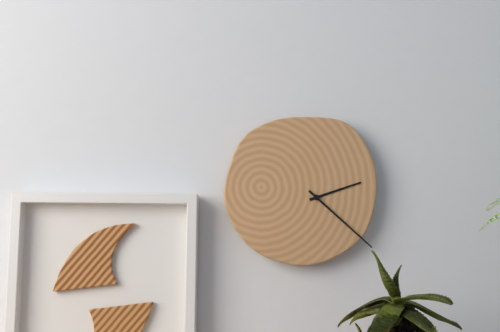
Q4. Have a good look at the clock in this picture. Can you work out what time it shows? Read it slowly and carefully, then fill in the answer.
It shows 2:22
